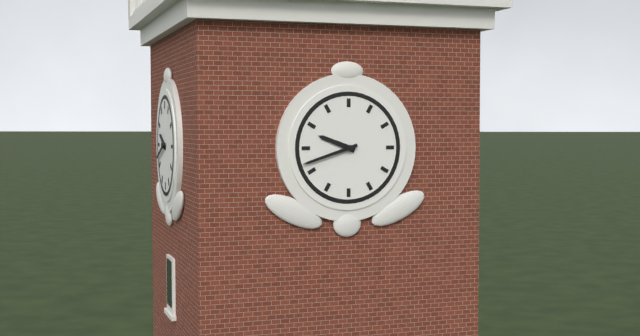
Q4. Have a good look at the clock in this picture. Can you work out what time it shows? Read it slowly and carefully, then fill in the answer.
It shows 9:42
